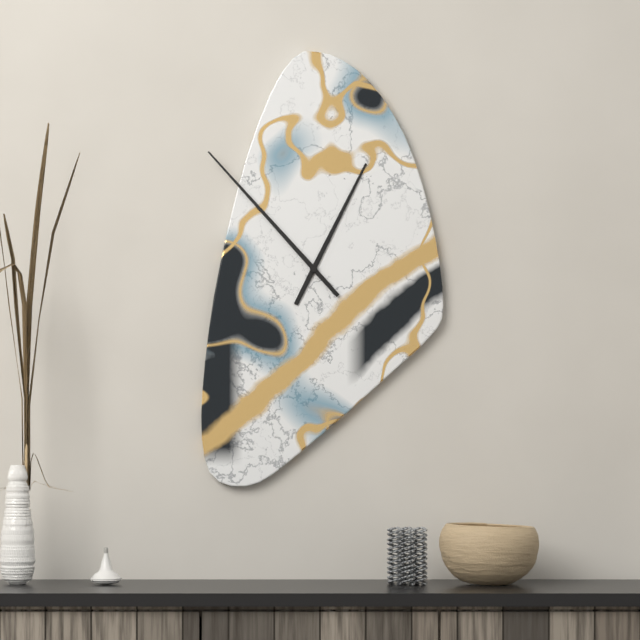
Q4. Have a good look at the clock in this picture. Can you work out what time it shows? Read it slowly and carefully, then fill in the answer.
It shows 12:53
